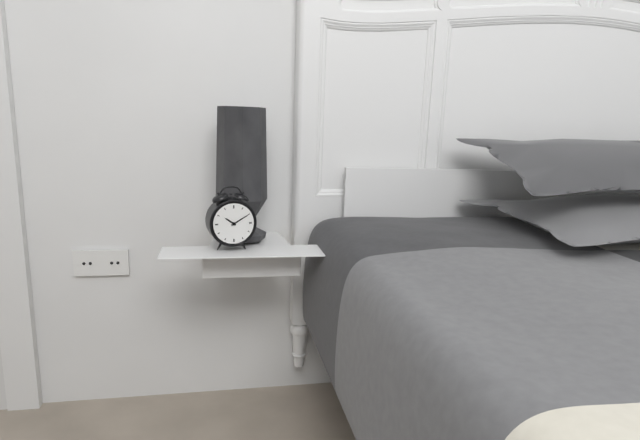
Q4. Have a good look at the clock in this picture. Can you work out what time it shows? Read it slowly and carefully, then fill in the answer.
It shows 10:10
